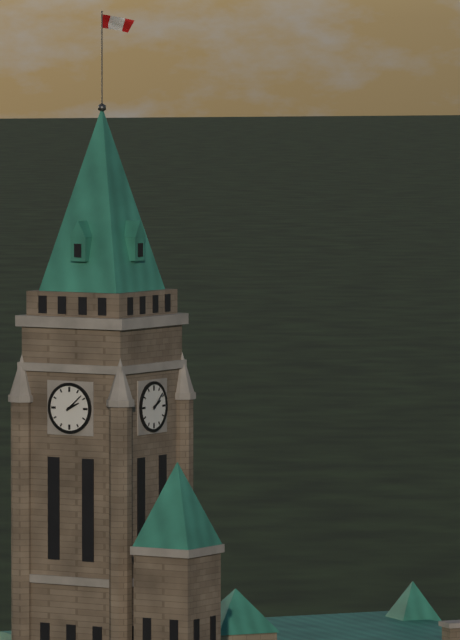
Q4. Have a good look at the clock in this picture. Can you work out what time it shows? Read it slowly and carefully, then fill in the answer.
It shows 2:08
